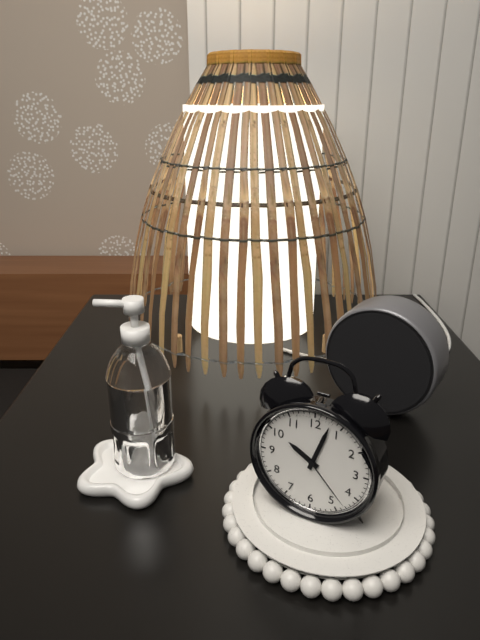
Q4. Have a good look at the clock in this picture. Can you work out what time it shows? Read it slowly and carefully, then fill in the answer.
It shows 10:03:23
